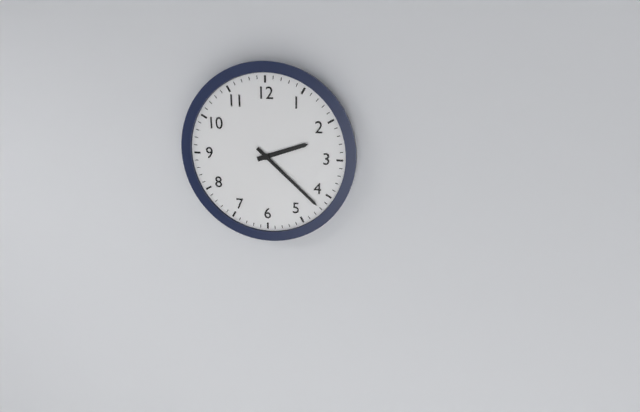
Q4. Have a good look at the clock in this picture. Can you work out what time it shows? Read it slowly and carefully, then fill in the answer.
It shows 2:22
